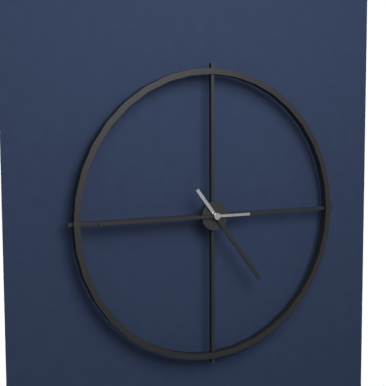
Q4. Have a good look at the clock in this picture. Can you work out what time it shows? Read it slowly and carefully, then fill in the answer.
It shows 4:45
